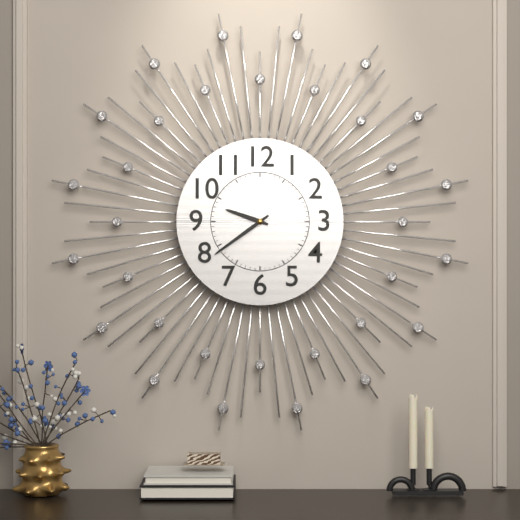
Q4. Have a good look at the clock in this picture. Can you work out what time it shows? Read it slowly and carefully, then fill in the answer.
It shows 9:39
